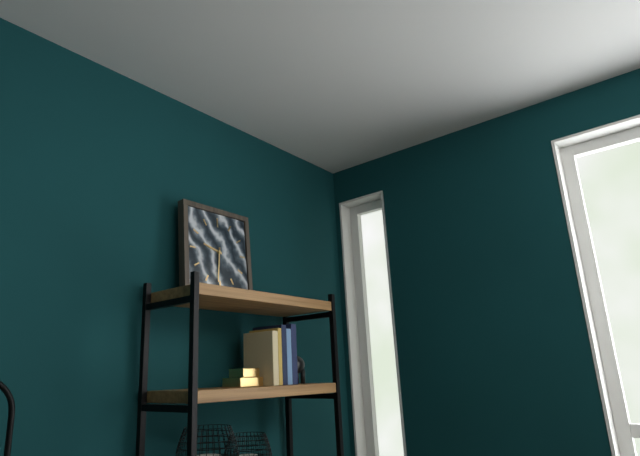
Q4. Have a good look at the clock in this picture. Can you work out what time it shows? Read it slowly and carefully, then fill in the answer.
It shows 9:31
